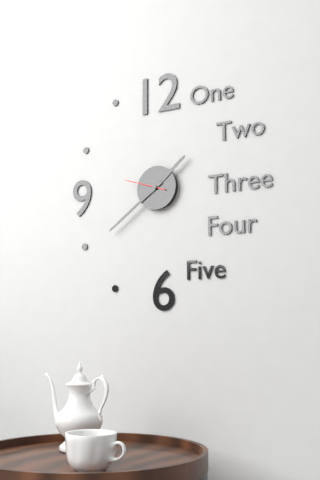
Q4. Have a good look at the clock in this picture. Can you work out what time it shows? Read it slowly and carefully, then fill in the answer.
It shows 1:39
